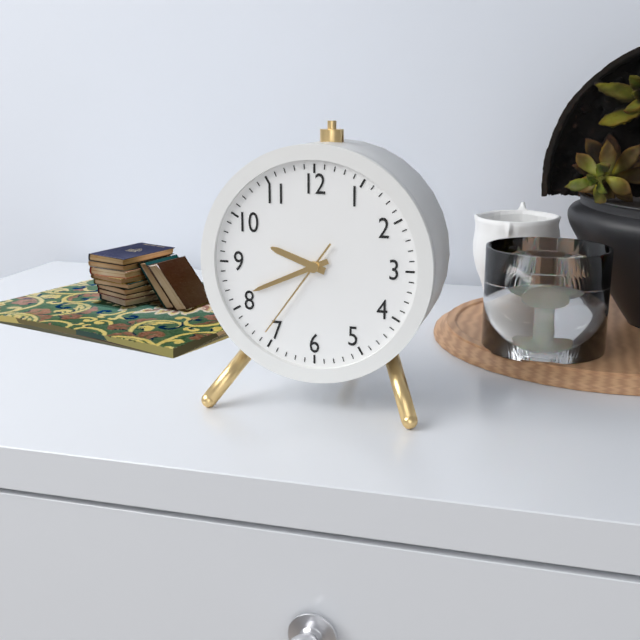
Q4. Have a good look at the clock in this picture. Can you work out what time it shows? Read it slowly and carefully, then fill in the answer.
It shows 9:41:36
